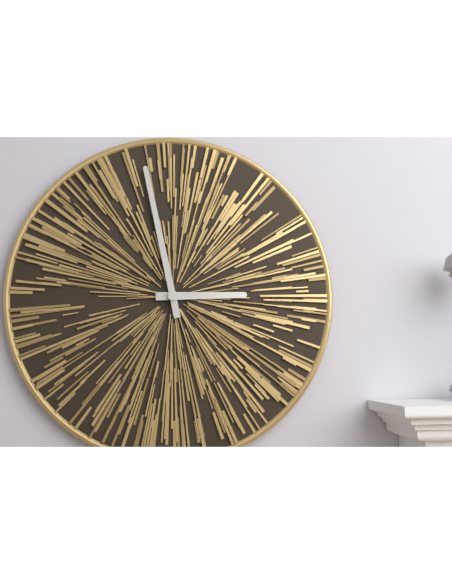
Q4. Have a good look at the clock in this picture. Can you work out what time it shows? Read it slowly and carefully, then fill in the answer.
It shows 2:58
